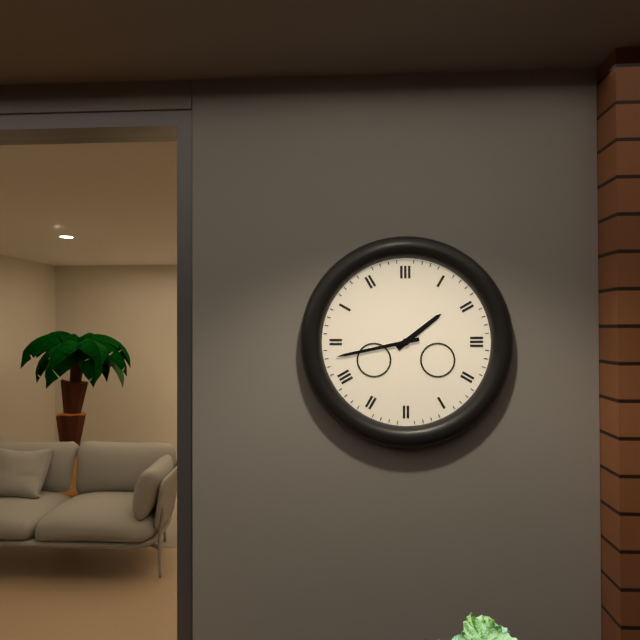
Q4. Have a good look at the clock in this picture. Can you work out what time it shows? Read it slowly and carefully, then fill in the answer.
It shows 1:43
